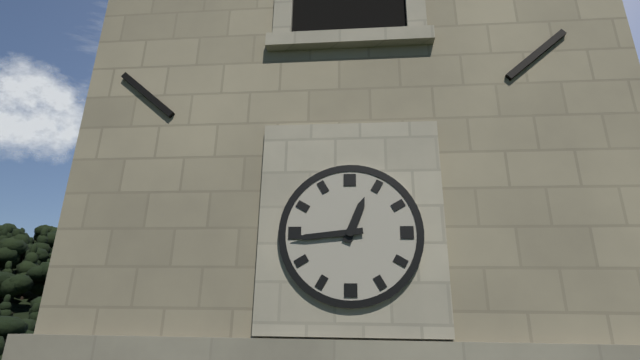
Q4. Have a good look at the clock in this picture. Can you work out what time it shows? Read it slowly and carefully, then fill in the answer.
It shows 12:44
